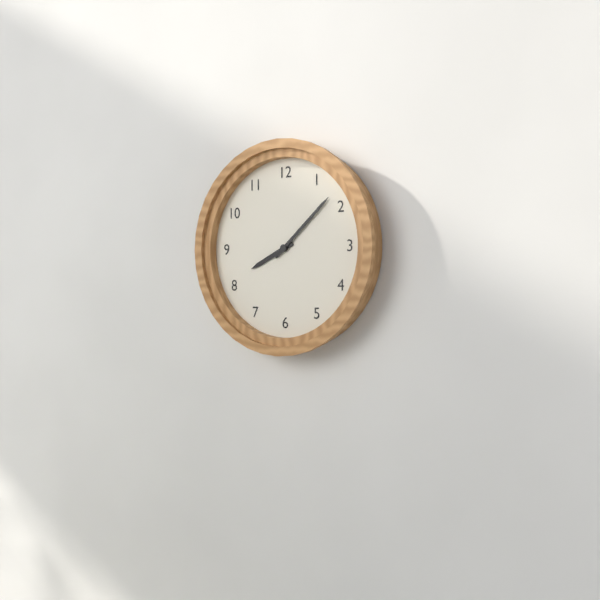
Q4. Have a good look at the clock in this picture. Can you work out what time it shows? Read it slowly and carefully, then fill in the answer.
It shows 8:08
